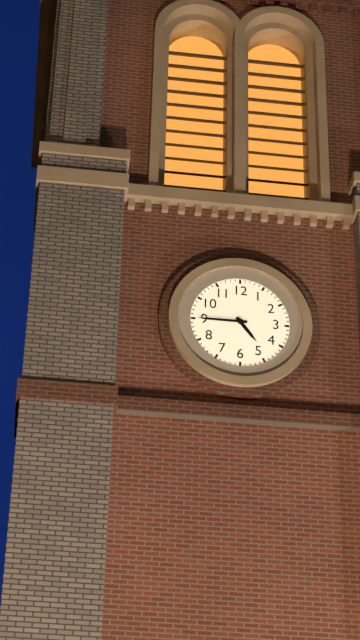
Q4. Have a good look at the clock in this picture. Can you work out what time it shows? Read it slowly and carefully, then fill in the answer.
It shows 4:45
